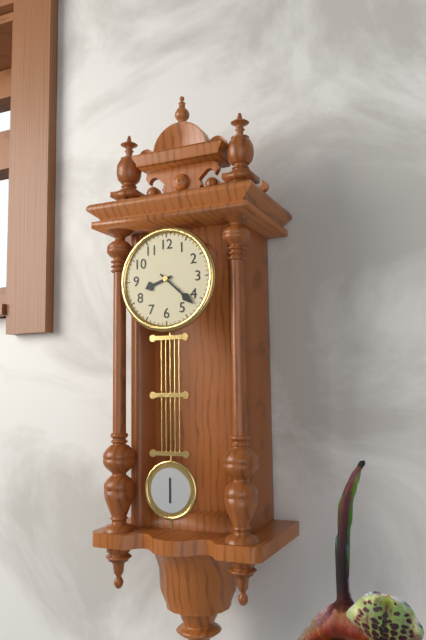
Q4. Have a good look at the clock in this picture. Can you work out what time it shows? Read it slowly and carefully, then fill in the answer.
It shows 8:22
